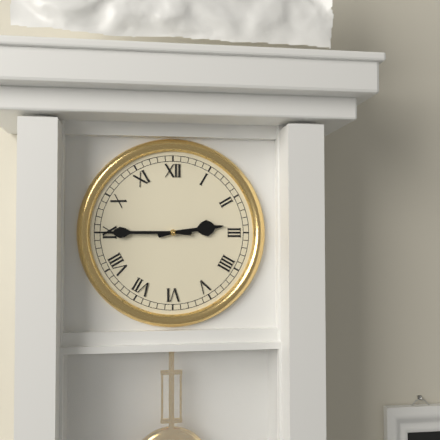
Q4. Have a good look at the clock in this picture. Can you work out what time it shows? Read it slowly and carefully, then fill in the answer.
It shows 2:45
